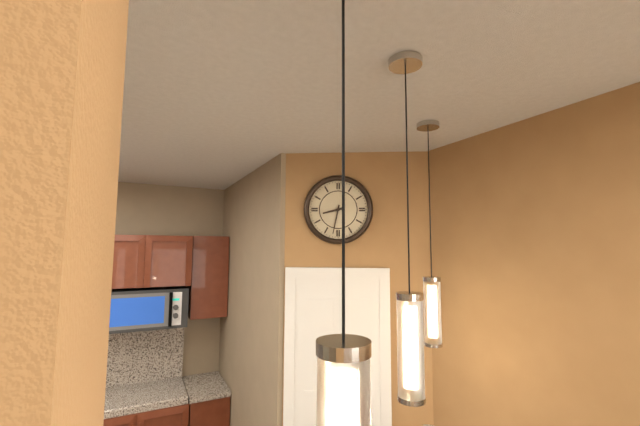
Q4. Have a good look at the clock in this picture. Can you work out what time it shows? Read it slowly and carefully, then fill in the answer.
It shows 8:32
